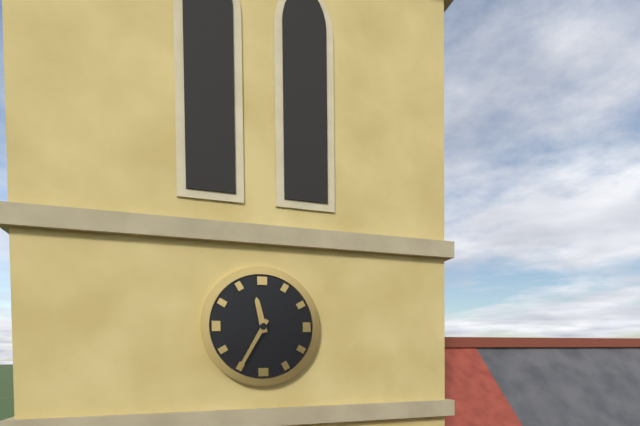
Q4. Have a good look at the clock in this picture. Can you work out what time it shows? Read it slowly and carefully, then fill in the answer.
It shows 11:35
